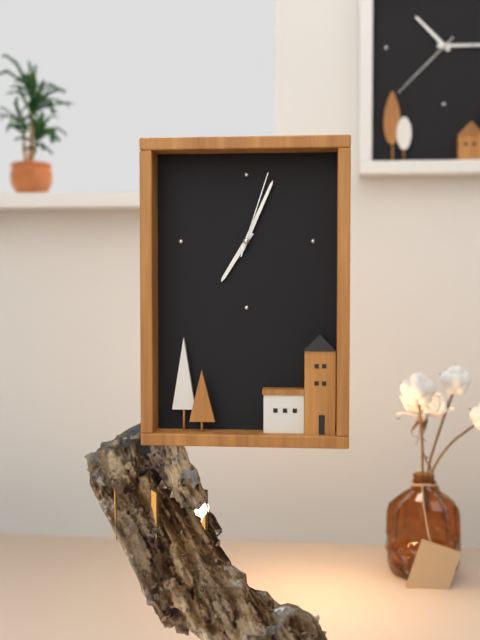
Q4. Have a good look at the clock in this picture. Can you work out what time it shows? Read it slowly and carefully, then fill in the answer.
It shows 7:04:03
